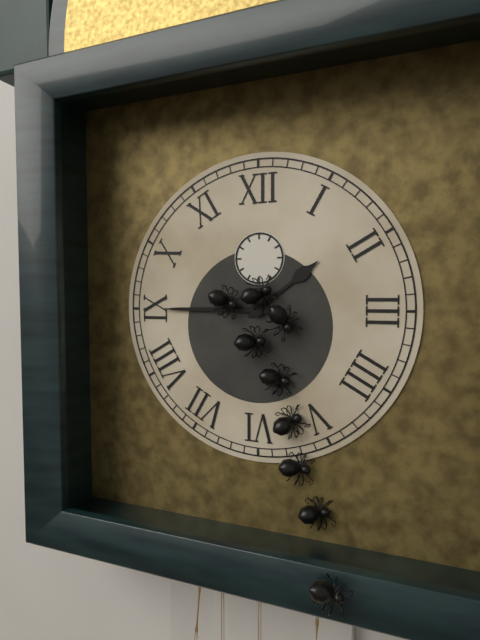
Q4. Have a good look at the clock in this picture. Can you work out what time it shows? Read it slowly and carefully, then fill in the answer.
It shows 1:45
